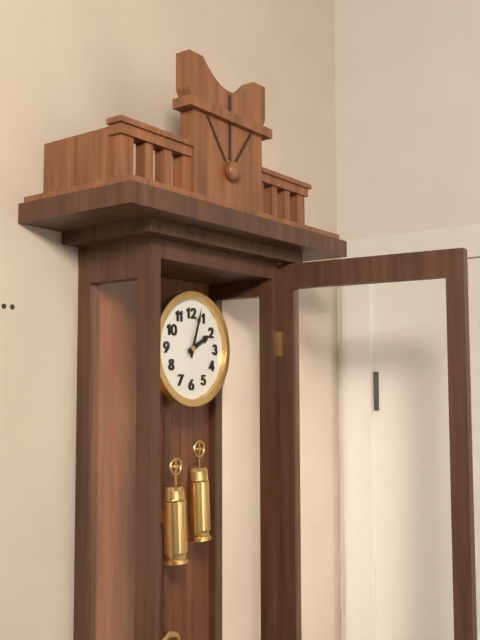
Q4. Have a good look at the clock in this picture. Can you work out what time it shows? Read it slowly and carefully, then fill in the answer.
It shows 2:03
